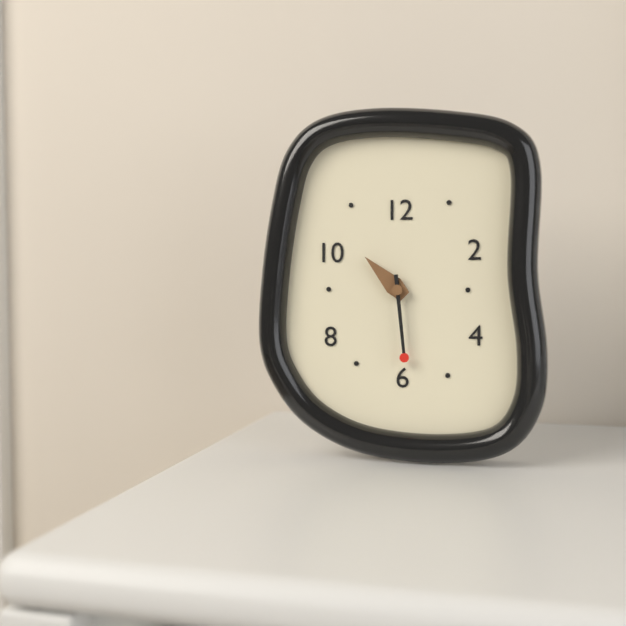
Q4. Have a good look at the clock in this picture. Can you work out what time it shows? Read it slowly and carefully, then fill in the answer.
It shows 10:29
